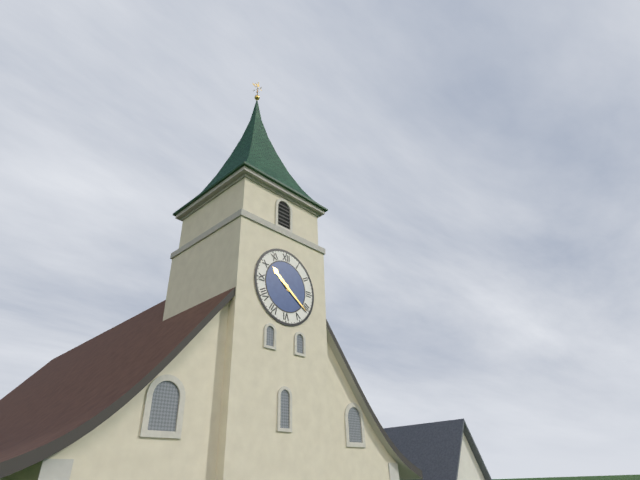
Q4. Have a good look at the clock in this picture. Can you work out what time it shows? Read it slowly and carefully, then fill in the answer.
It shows 10:21
